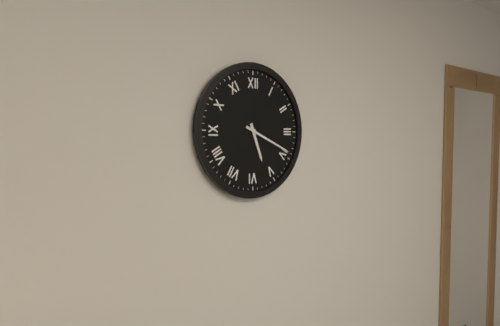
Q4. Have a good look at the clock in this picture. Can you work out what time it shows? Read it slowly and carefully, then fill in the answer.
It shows 5:19
